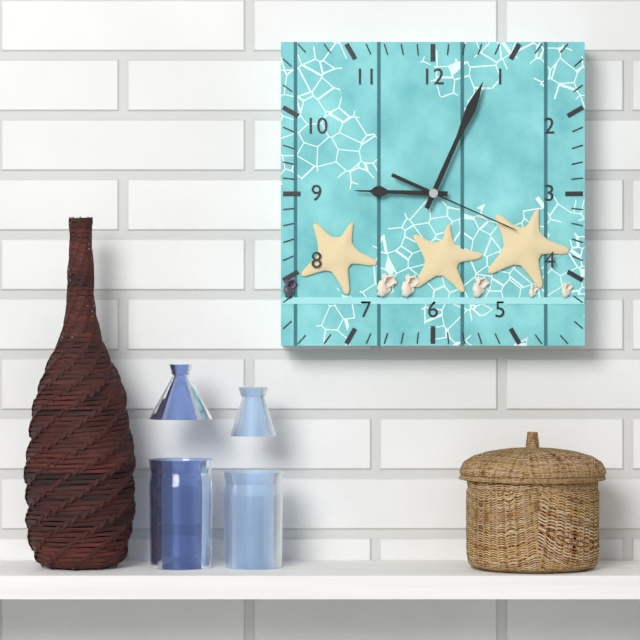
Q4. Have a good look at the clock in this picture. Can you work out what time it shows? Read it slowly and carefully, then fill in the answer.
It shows 9:04:19
